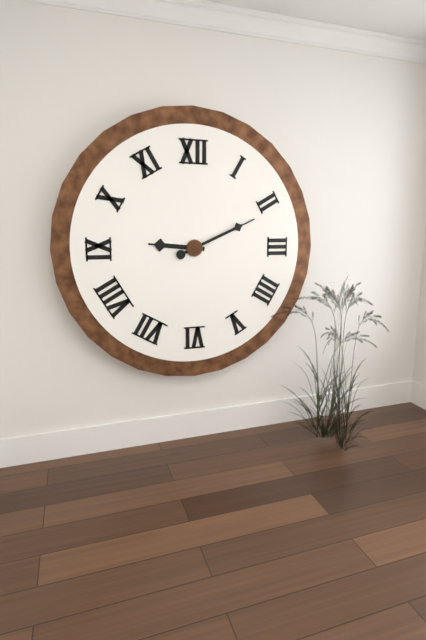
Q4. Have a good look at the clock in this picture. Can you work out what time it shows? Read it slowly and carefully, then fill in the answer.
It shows 9:11
